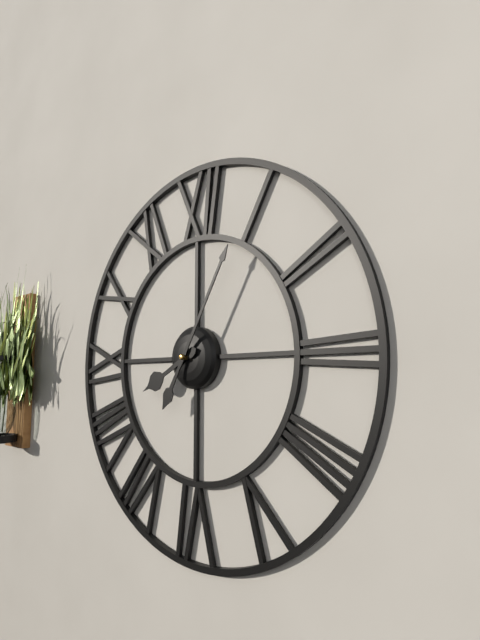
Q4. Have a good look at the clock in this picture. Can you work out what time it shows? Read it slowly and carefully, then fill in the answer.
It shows 8:05
